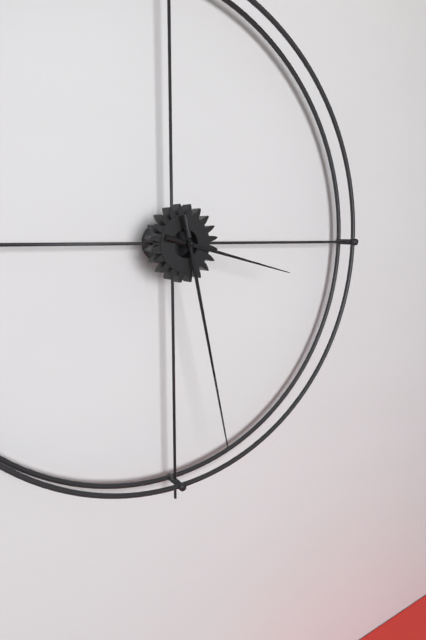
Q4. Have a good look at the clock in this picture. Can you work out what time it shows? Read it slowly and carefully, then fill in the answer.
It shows 3:28
